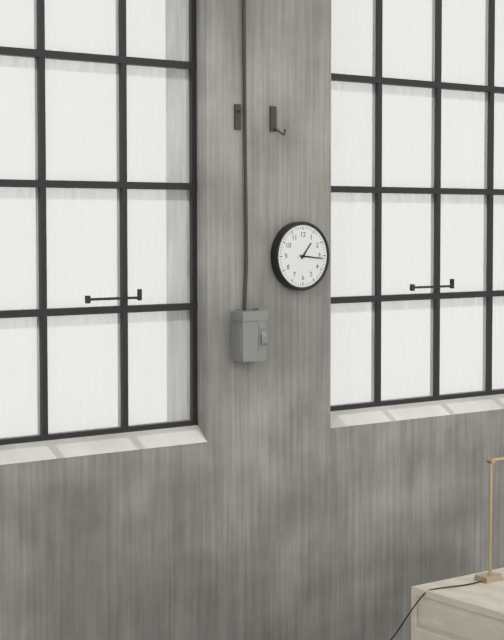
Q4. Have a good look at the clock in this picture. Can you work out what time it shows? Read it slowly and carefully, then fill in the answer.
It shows 1:16
